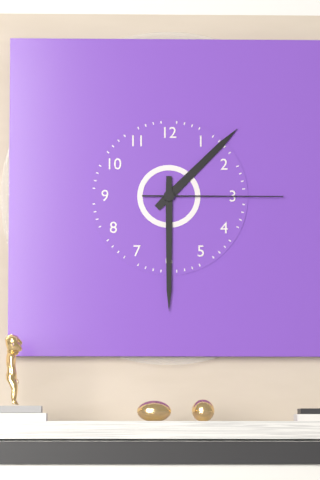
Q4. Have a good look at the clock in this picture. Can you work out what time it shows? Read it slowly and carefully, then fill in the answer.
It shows 1:30:15
